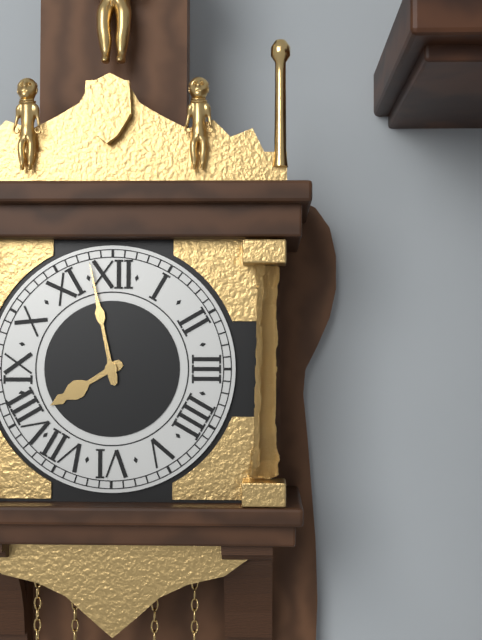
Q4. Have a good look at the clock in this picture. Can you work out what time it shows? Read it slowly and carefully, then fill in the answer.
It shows 7:58
